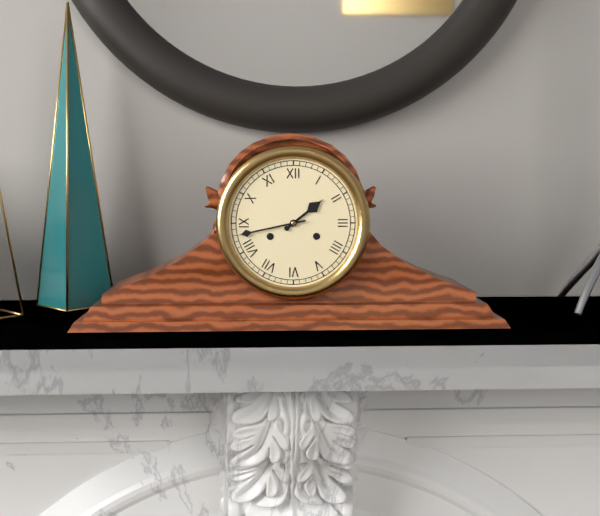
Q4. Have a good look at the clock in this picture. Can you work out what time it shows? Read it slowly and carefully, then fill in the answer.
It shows 1:43
